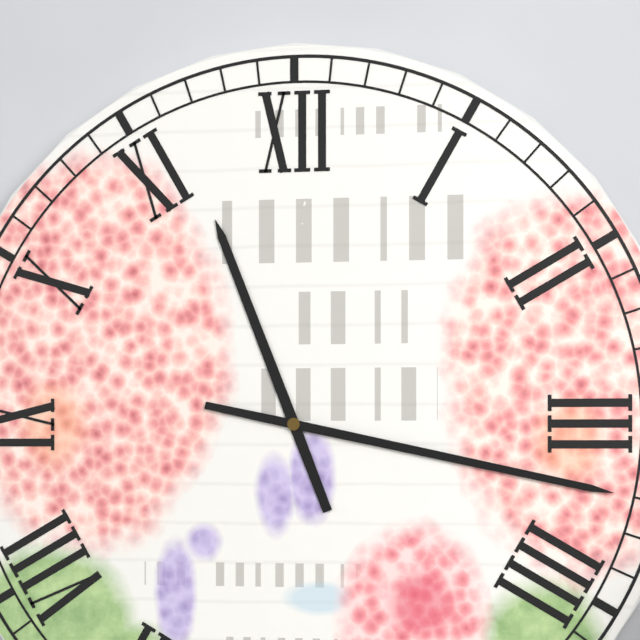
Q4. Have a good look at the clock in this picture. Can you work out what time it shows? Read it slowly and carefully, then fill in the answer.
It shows 11:17
